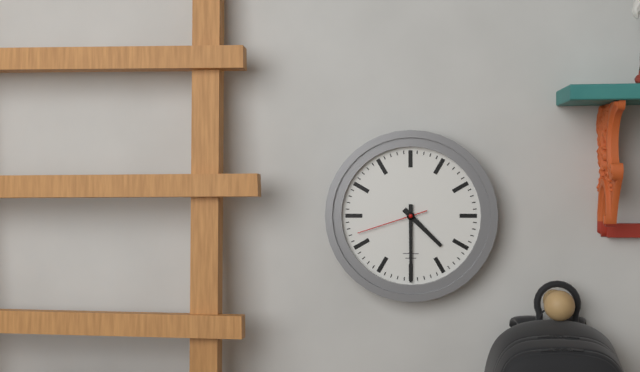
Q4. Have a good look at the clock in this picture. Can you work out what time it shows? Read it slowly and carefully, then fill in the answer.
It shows 4:30:42
